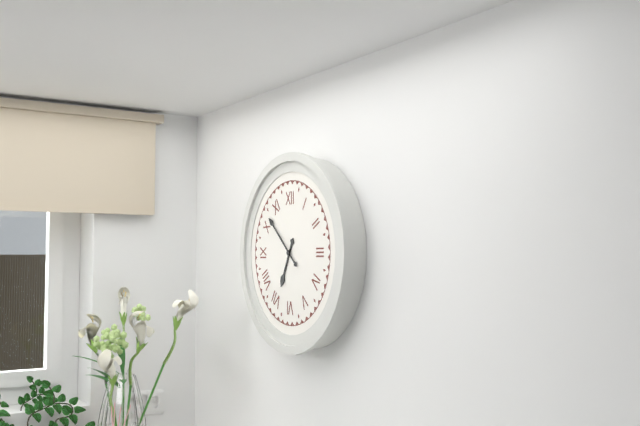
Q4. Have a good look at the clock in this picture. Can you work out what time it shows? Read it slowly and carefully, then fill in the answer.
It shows 6:52
